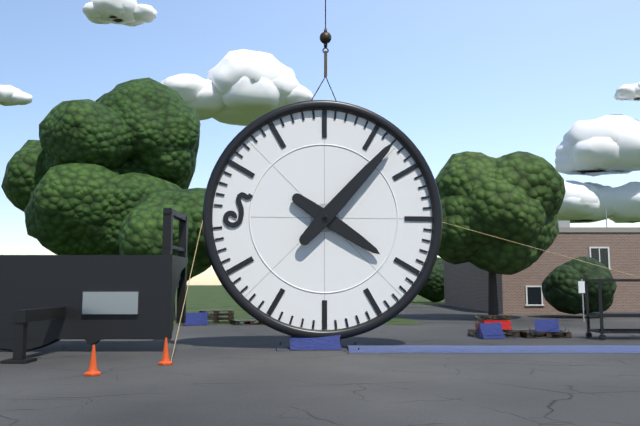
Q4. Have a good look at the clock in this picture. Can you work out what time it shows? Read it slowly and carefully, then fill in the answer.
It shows 4:07
